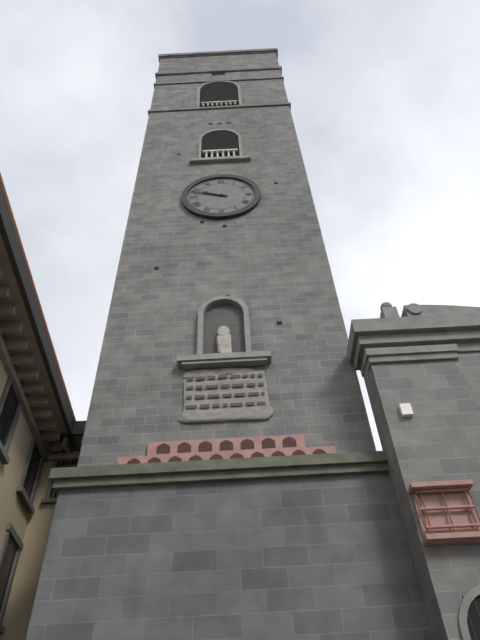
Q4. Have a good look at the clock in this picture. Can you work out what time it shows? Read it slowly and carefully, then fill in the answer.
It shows 9:48
